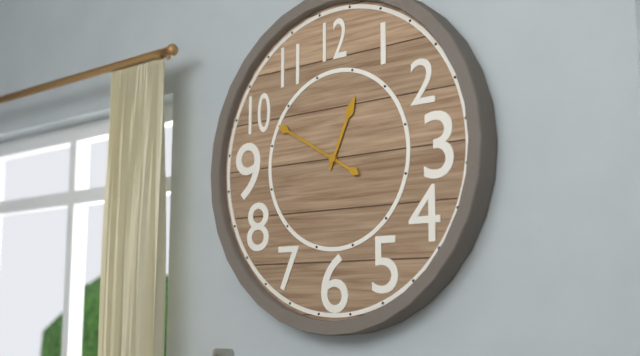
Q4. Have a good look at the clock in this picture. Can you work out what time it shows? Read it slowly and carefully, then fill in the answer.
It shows 12:50
